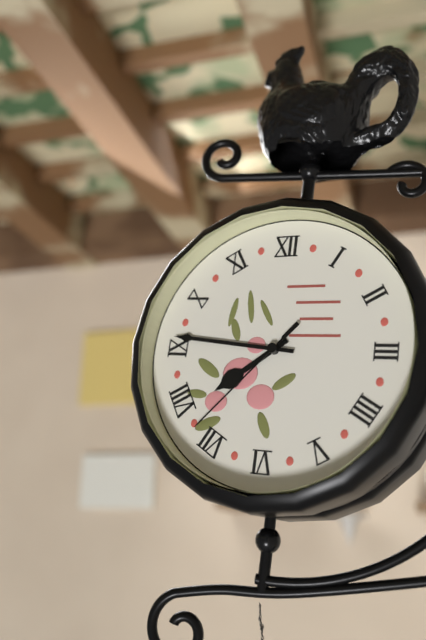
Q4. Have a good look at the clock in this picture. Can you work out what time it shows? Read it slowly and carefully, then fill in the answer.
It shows 7:46:37
